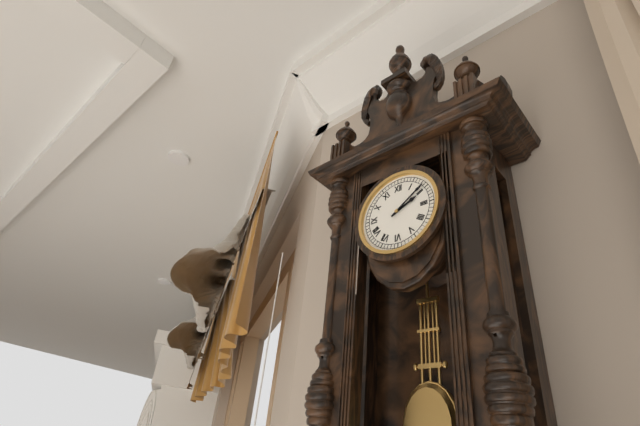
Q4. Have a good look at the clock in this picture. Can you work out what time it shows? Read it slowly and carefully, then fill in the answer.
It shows 2:09
